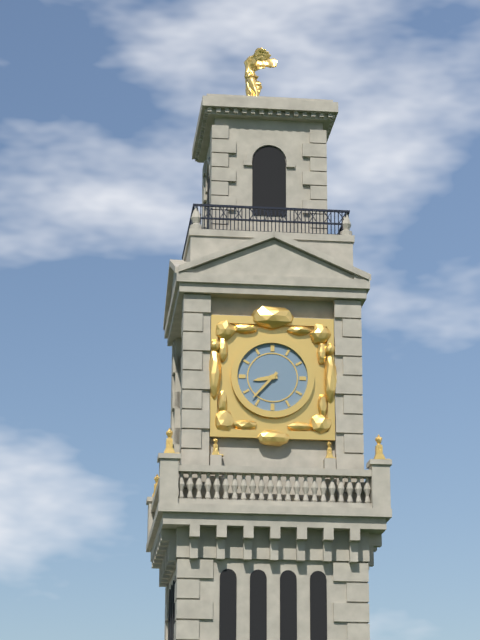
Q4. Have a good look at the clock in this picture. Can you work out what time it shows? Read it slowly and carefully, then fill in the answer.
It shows 8:37
